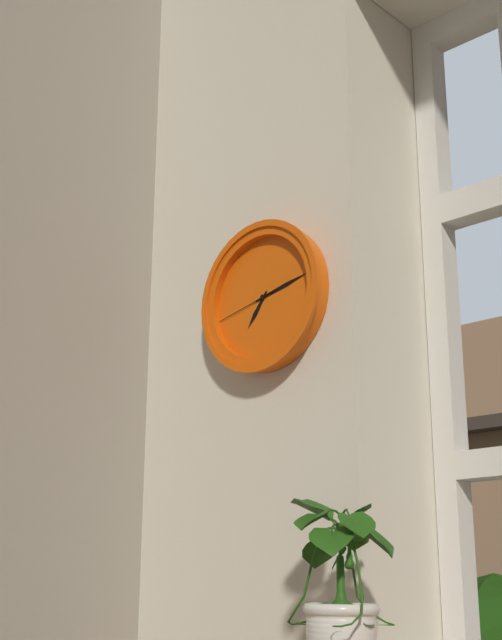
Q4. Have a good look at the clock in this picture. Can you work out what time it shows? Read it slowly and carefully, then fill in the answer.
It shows 7:13:43
